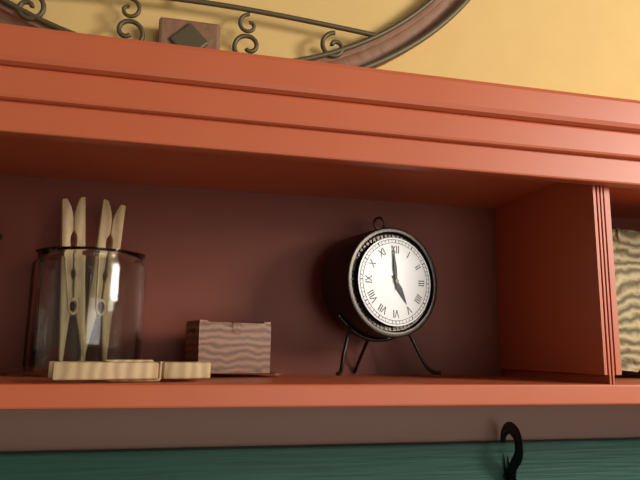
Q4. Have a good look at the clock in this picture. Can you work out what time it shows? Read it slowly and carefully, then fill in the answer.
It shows 4:59
